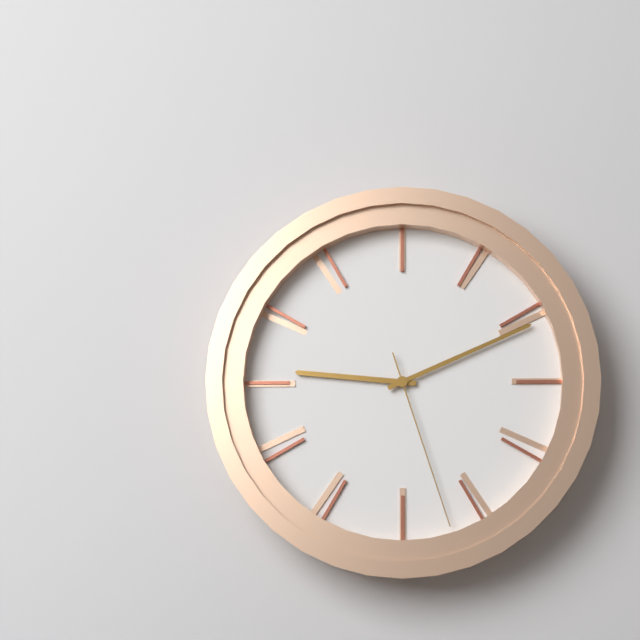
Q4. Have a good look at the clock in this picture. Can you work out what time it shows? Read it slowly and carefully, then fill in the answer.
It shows 9:11:27
